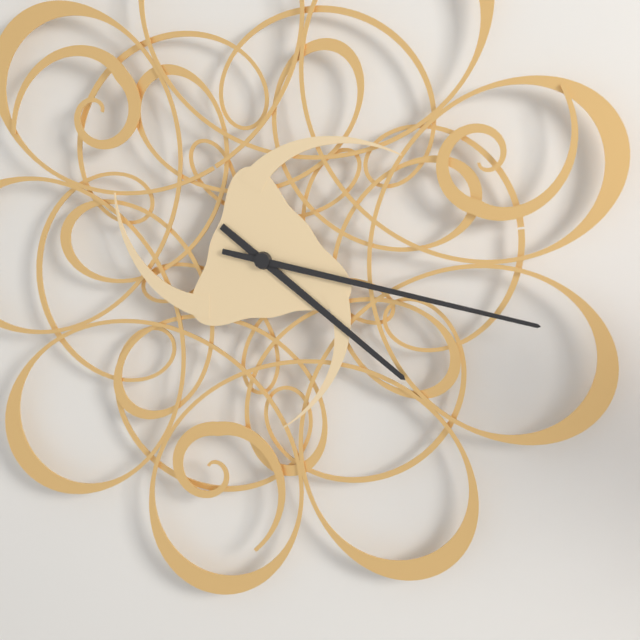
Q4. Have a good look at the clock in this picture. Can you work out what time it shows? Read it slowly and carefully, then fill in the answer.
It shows 4:17
